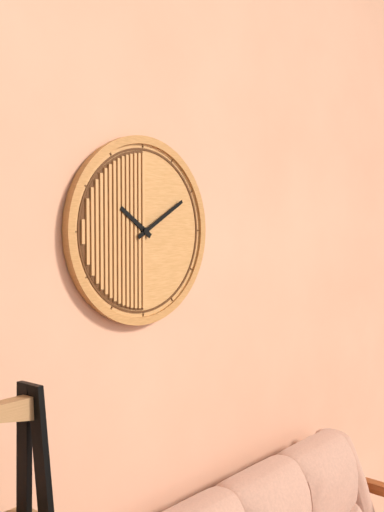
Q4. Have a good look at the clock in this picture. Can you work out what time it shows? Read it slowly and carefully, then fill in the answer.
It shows 10:10
